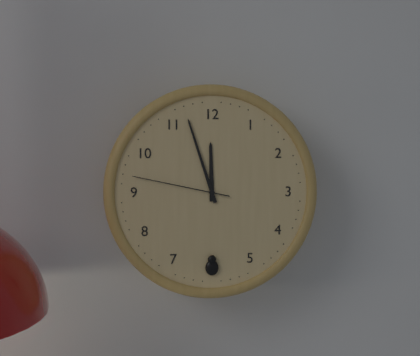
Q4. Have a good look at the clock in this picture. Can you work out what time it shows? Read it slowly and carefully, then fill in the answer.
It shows 11:57:47
